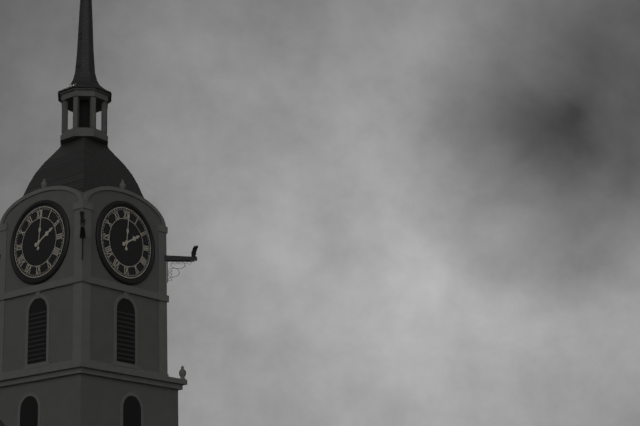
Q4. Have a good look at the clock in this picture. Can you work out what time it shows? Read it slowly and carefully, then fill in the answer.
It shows 2:01
